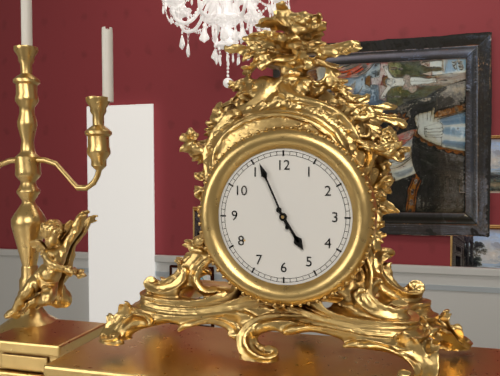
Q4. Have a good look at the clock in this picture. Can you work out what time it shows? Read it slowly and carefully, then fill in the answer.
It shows 4:56
